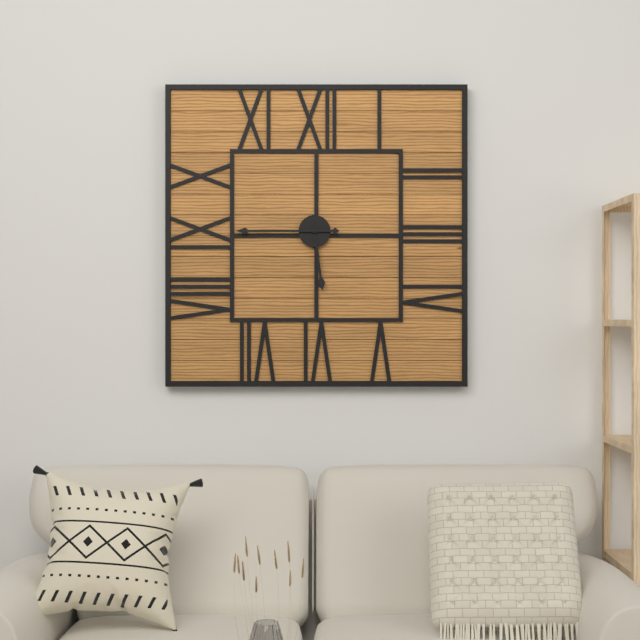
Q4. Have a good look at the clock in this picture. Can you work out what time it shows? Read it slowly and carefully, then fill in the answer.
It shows 5:45
